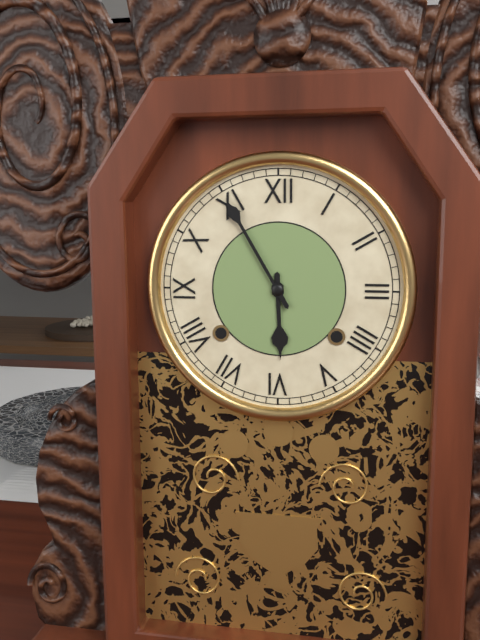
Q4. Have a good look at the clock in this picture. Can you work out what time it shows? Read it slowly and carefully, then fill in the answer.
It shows 5:55
